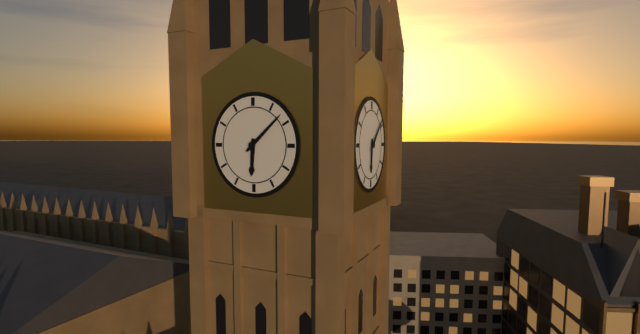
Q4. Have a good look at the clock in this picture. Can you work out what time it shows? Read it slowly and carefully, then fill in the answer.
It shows 6:08
